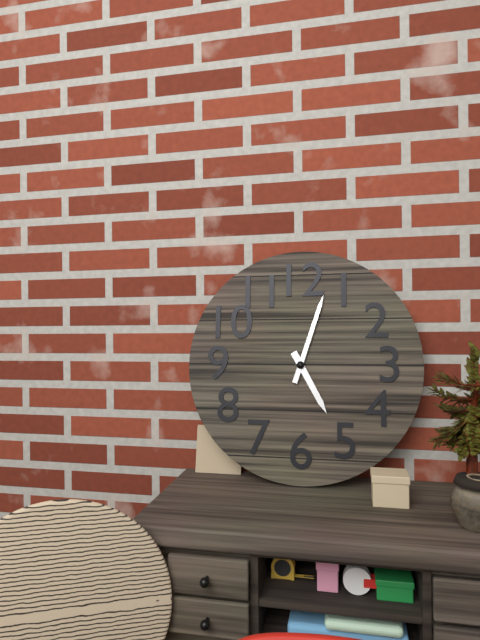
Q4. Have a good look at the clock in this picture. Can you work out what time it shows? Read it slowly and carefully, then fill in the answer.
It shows 5:03
